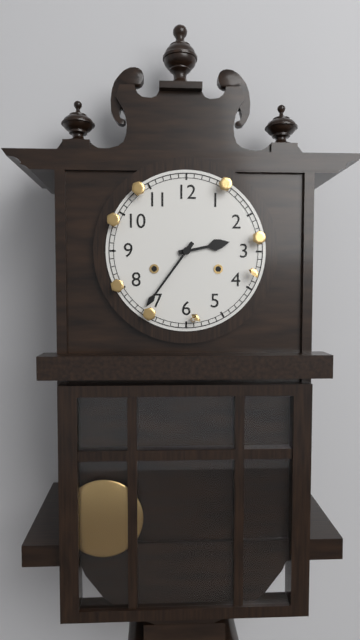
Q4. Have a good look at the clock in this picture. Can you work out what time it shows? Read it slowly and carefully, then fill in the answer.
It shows 2:36
